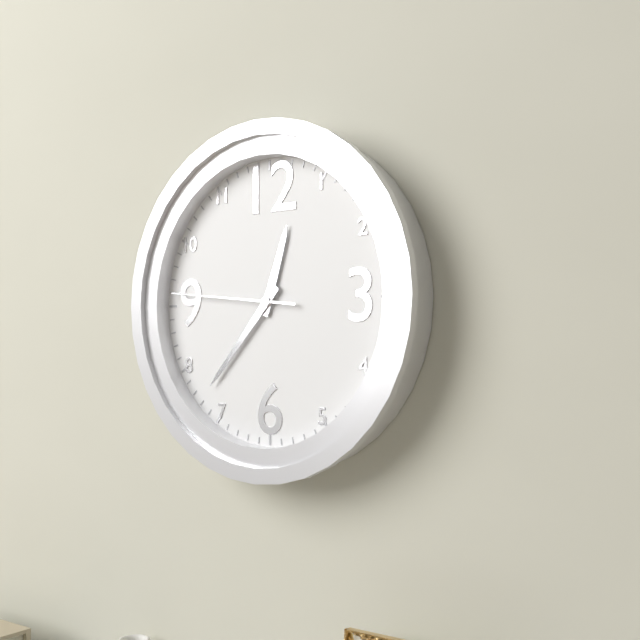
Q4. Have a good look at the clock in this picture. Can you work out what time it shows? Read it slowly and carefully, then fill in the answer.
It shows 12:37:46
